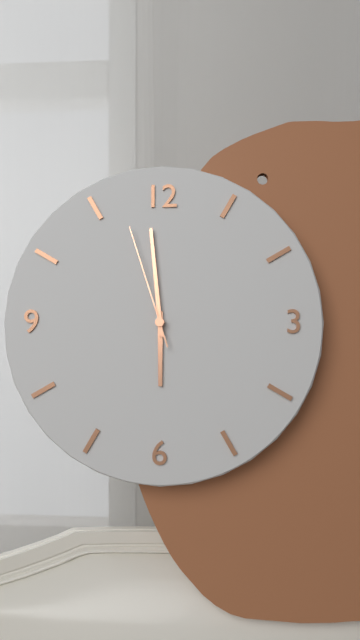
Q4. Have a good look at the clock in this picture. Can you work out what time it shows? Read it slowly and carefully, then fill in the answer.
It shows 5:59:57
